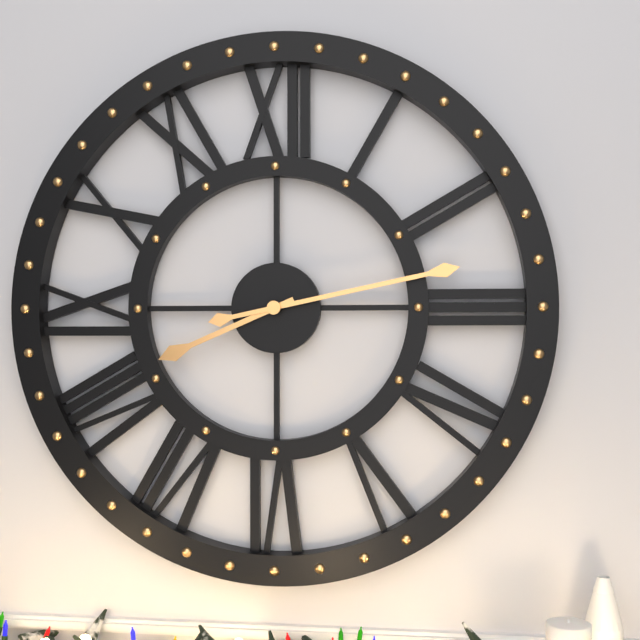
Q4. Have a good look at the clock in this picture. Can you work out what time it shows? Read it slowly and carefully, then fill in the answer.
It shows 8:13
